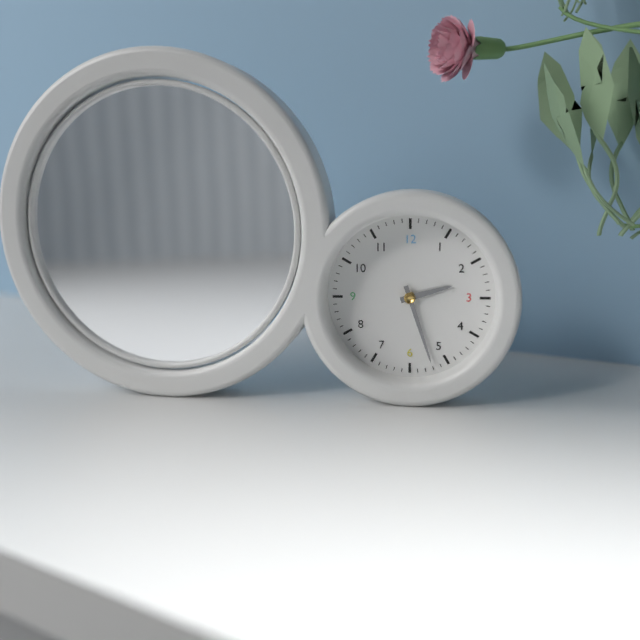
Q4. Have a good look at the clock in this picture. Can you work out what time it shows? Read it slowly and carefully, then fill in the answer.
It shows 2:27
